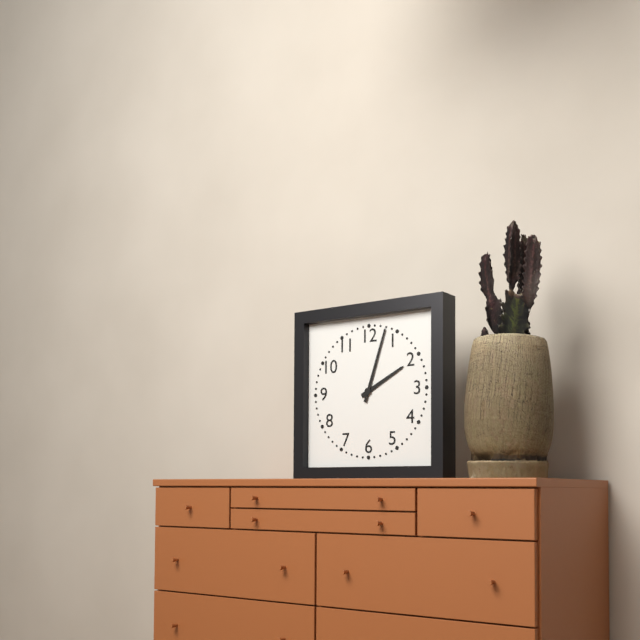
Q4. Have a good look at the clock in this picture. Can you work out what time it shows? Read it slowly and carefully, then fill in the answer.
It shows 2:03
